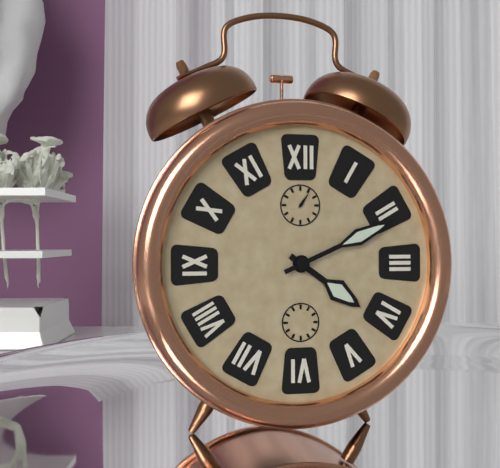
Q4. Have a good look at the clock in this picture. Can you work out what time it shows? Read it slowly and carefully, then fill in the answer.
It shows 4:11
